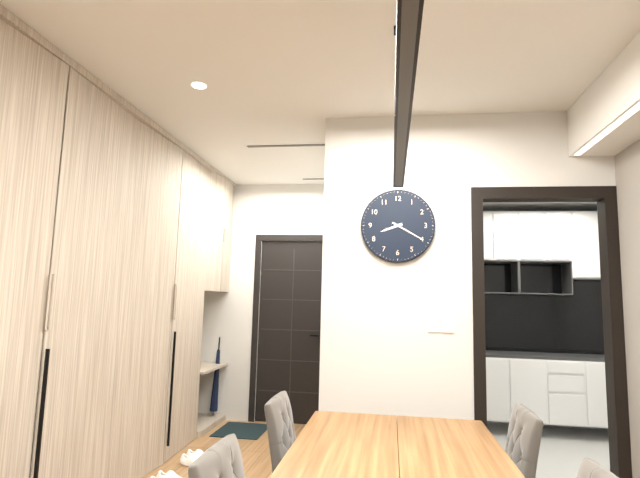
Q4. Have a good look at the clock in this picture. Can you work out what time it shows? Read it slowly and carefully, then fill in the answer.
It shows 8:20
